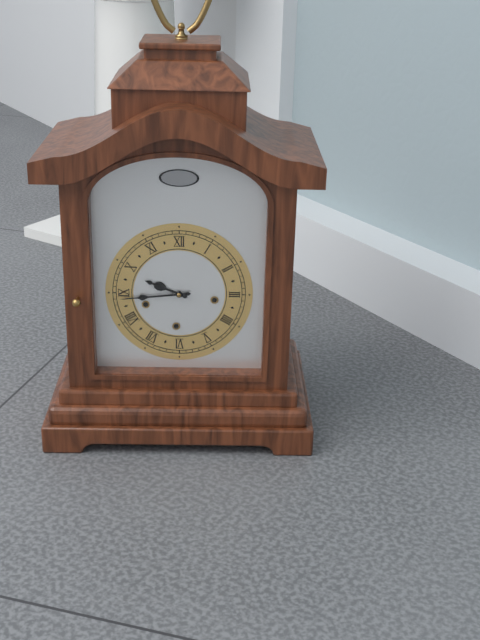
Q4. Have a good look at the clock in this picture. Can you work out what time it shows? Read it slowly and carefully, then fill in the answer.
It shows 9:44
